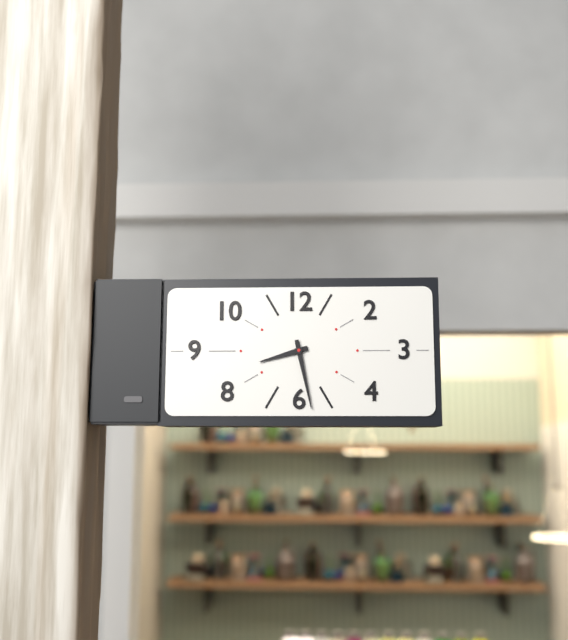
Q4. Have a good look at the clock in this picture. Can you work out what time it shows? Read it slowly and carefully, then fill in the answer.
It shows 8:28
